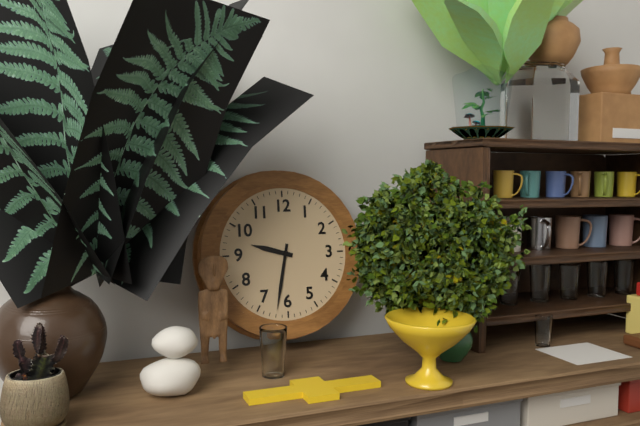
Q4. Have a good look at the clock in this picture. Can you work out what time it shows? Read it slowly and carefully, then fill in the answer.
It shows 9:32
